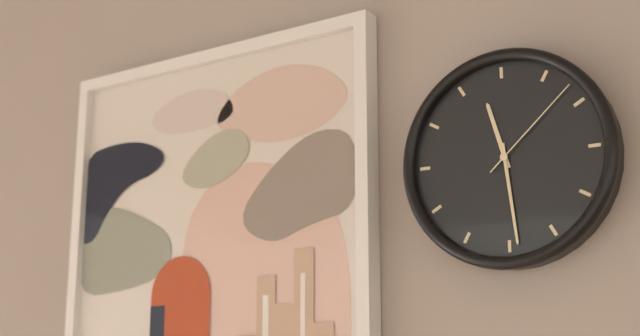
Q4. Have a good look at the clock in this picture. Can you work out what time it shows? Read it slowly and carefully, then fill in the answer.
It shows 11:29:08
